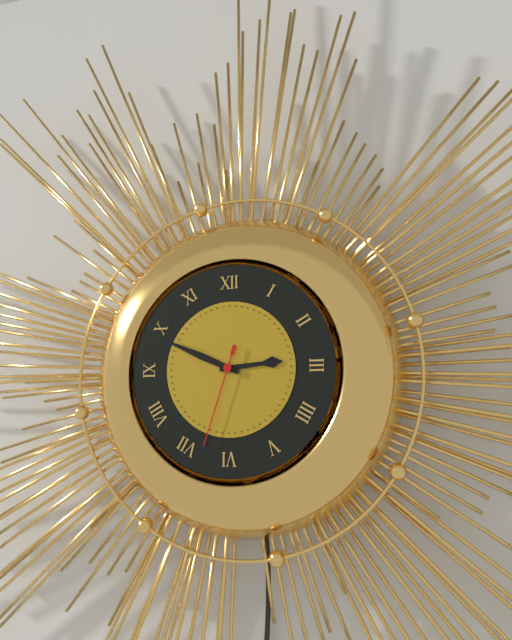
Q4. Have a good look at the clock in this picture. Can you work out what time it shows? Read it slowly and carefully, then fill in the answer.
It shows 2:49:33
